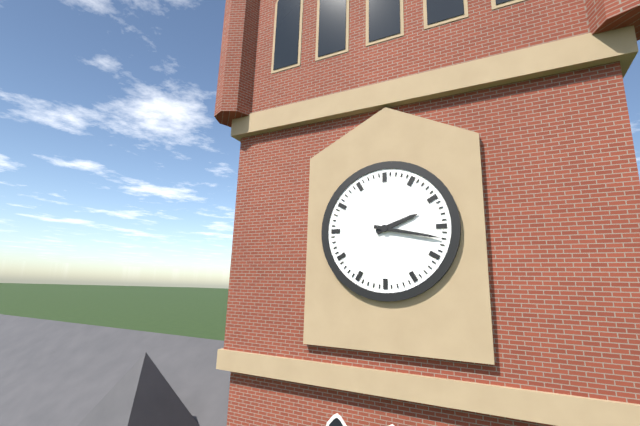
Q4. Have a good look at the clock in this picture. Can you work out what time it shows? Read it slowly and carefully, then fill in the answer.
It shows 2:17
